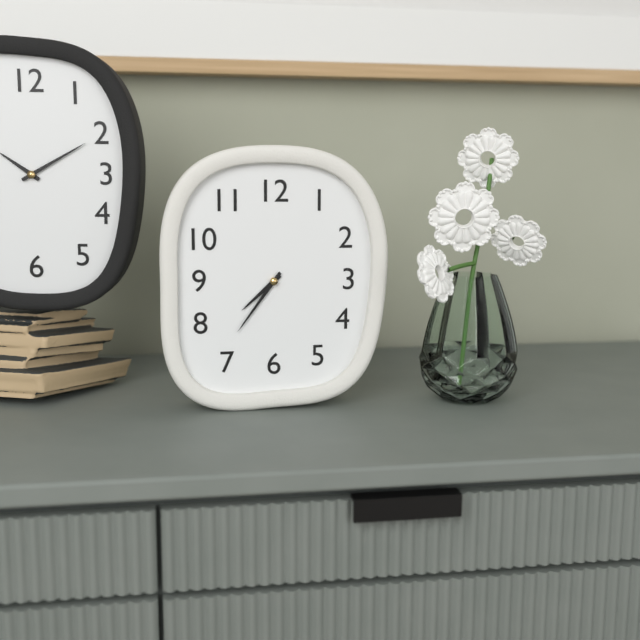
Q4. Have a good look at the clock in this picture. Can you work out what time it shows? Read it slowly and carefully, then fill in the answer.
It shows 7:36
